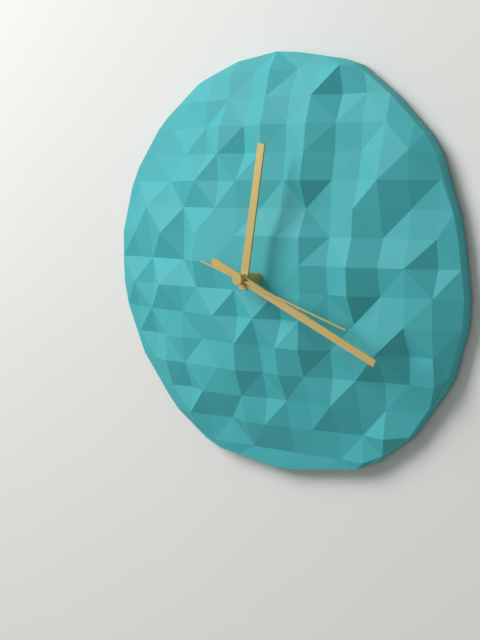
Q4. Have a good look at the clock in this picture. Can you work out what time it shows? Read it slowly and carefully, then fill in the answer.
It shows 12:19:18
